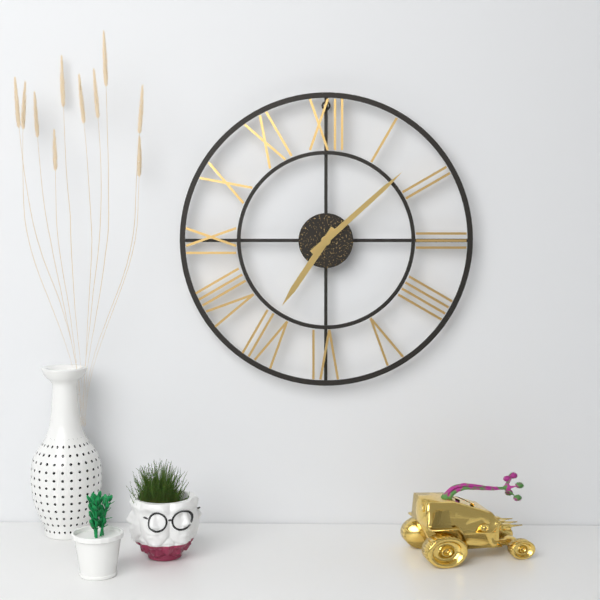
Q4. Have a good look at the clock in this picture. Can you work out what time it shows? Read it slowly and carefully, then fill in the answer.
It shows 7:08
